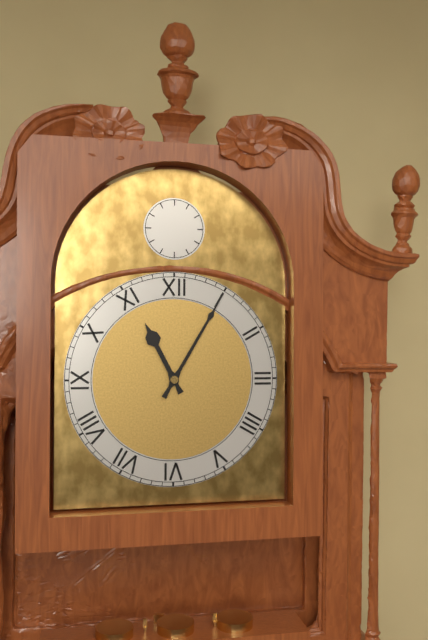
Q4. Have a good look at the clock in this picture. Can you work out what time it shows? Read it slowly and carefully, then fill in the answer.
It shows 11:05
